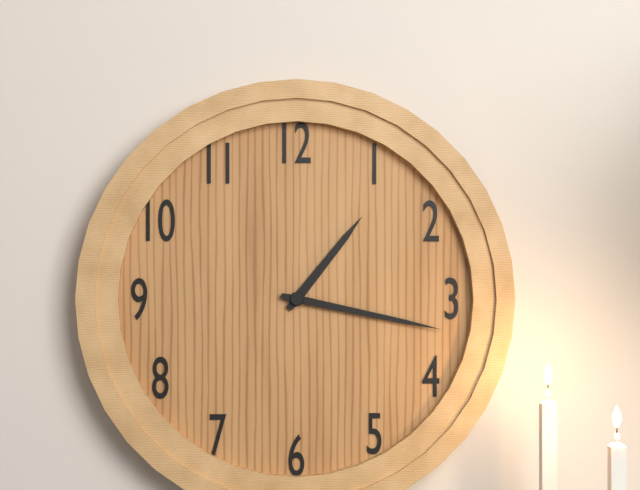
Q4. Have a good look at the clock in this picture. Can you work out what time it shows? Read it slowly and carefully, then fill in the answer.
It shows 1:17
